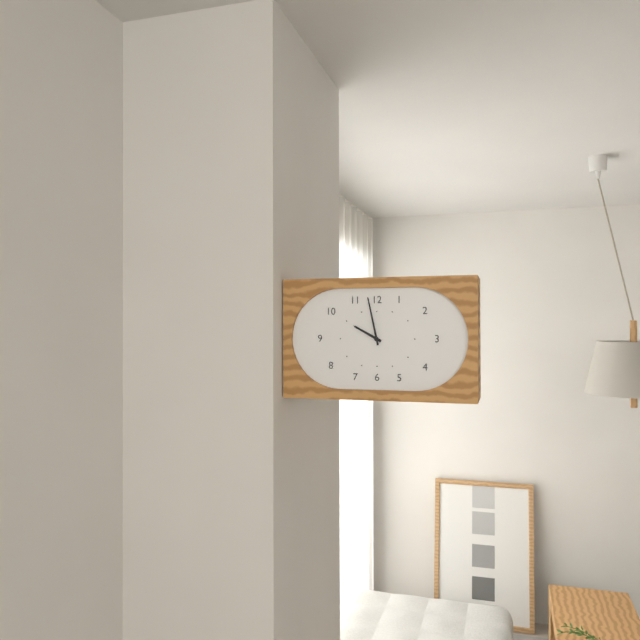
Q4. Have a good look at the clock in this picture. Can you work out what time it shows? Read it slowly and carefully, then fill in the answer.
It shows 9:58
